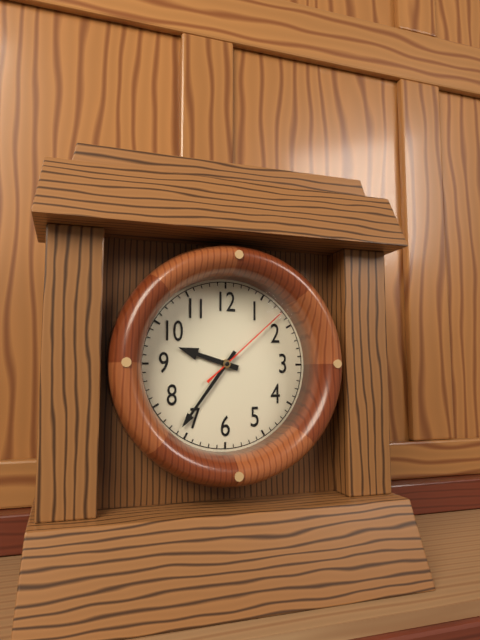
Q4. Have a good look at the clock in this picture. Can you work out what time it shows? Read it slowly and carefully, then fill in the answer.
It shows 9:36:08
